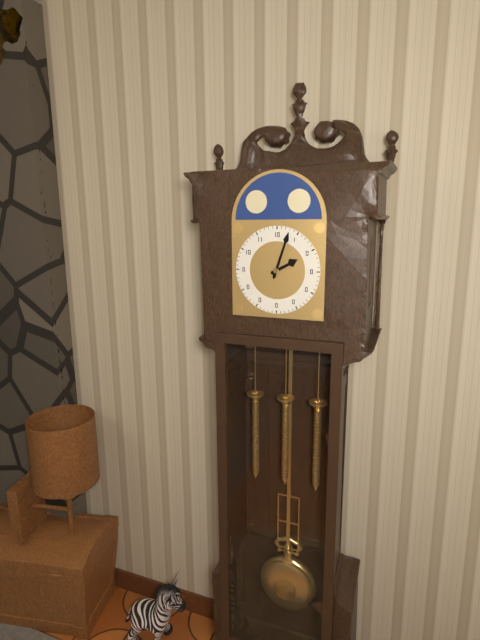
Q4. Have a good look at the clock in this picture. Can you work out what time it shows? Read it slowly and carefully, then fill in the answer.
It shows 2:03
